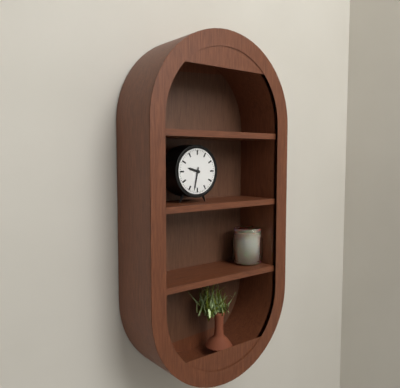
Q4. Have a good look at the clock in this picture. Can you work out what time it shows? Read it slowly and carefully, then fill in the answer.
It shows 9:32
